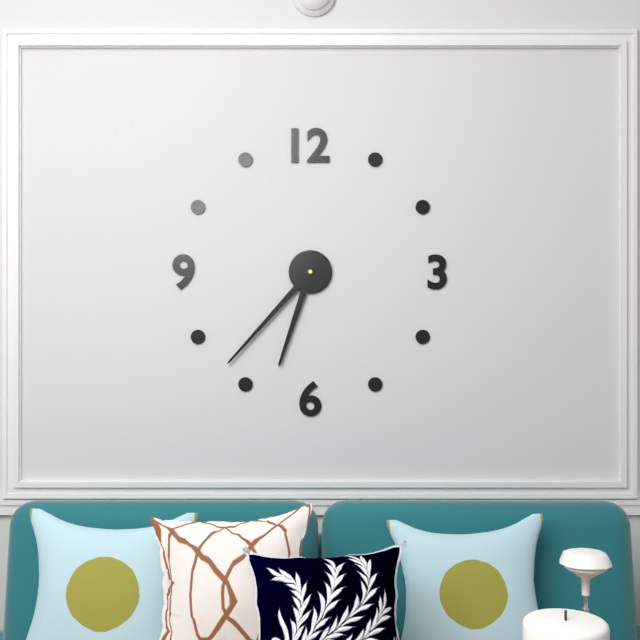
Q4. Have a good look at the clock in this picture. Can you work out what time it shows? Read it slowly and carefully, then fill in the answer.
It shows 6:37
